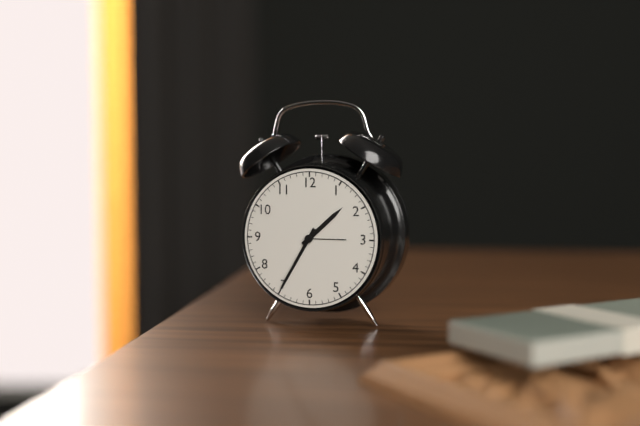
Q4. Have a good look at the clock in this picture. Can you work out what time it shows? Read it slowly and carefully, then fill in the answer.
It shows 1:35
